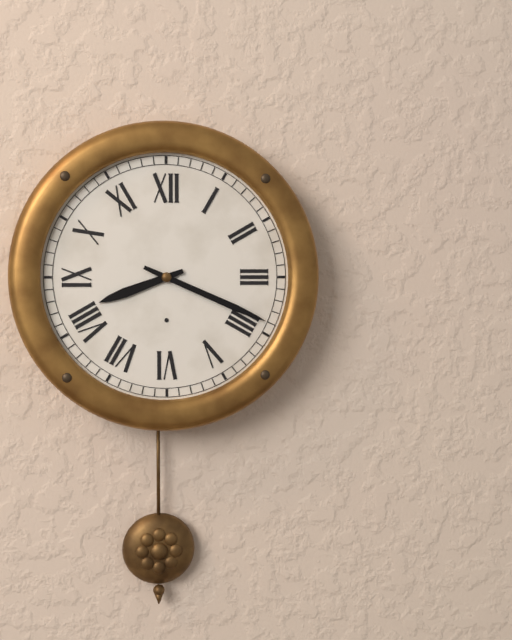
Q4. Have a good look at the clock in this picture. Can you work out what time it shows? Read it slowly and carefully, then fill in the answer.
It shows 8:19
